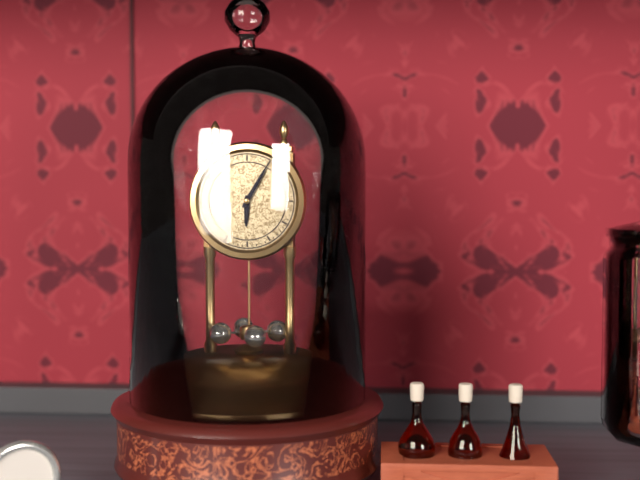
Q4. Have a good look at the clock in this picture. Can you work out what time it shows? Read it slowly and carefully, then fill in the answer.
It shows 6:05
